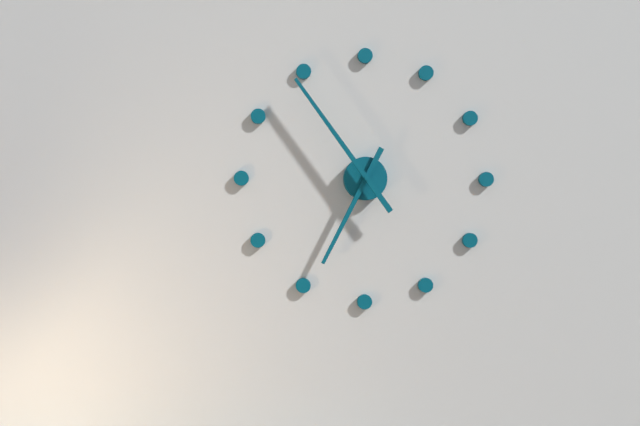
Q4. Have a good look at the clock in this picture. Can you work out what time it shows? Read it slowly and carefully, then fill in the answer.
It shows 6:54
